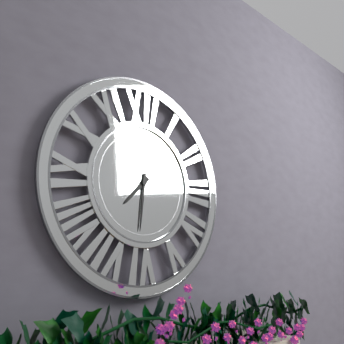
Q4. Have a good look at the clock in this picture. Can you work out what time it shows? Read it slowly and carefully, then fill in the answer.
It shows 7:31
